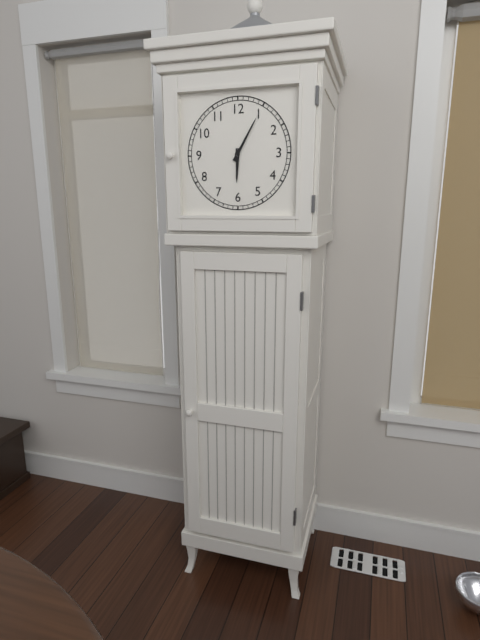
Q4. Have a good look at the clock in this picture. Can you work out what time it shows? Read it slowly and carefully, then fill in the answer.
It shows 6:05
